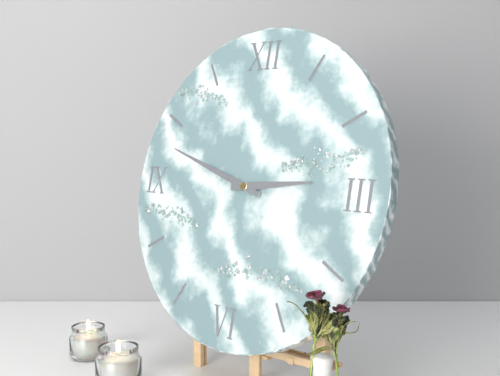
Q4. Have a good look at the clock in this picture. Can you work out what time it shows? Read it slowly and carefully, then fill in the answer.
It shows 2:48
